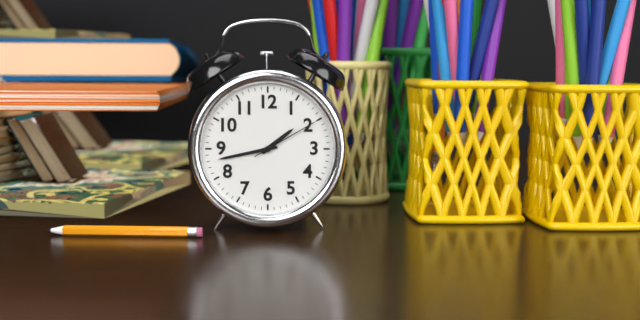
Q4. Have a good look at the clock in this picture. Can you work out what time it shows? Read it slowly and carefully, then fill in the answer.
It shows 1:43:10
